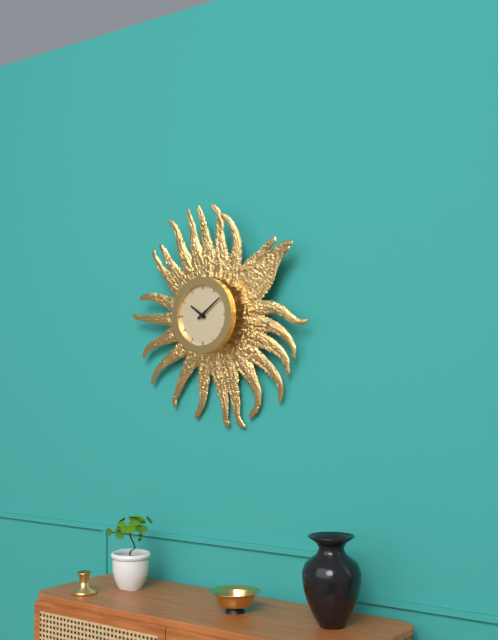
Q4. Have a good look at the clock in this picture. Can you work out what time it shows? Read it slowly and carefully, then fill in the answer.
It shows 10:09
